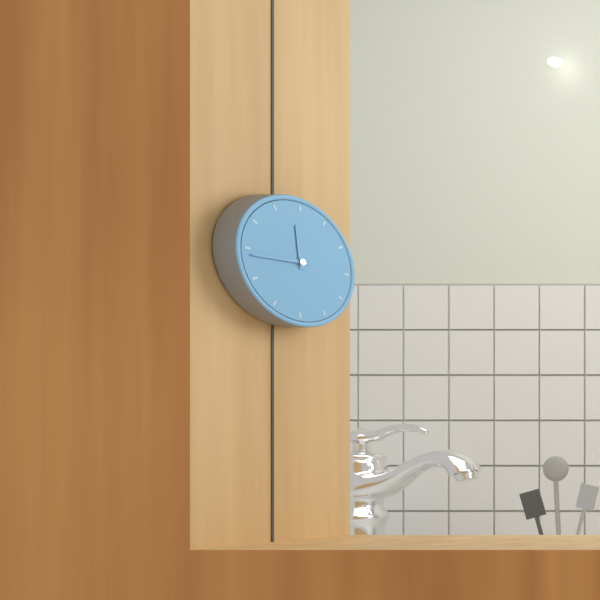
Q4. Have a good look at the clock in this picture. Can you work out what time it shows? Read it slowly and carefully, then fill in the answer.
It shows 11:44
